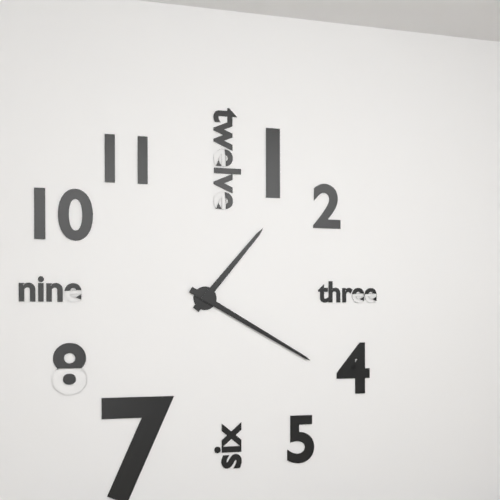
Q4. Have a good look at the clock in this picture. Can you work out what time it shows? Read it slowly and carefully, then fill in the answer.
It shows 1:20
